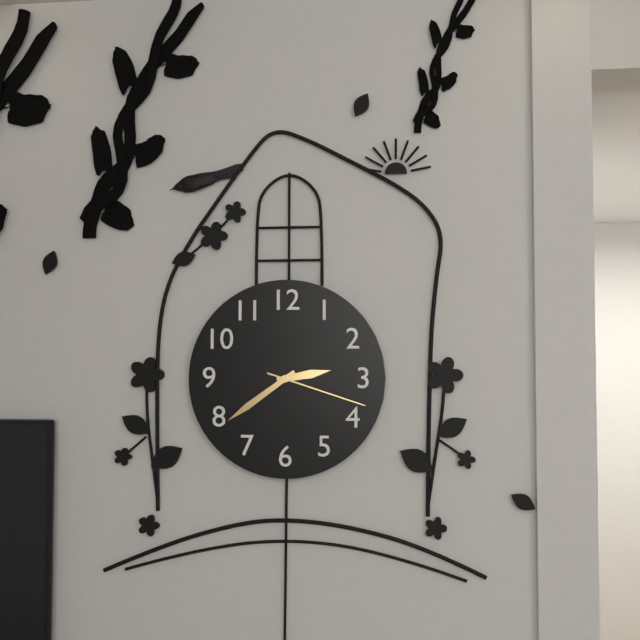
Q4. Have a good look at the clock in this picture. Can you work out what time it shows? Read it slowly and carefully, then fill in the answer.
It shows 2:39:18
